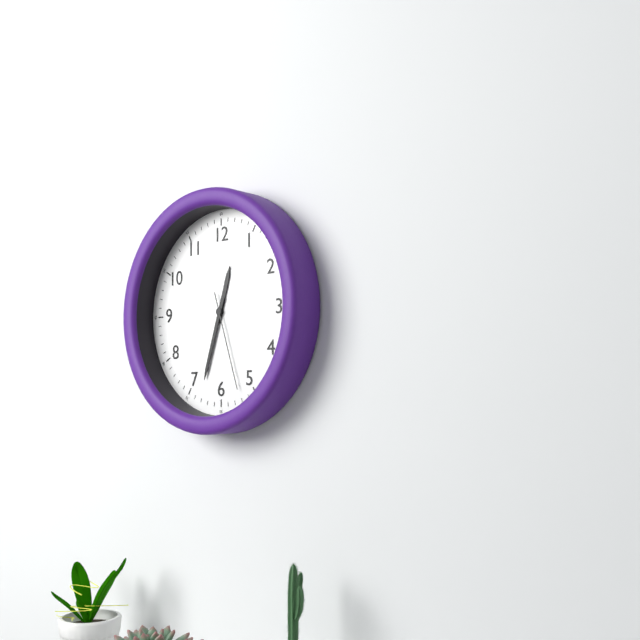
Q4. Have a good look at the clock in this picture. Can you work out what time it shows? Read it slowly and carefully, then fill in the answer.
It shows 12:33:27
